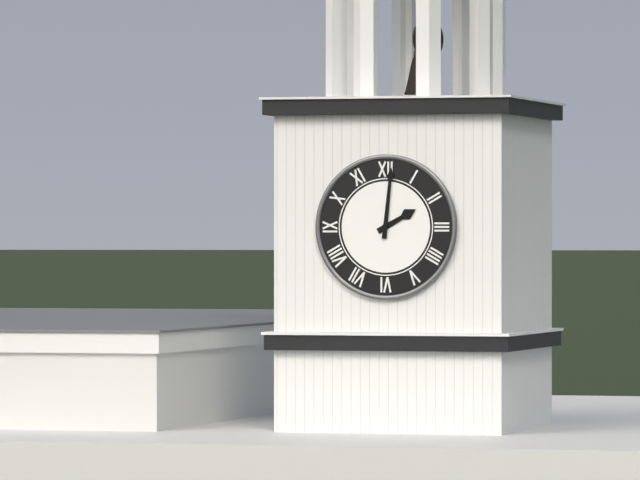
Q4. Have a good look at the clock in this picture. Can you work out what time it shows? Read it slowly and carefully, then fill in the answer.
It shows 2:01
